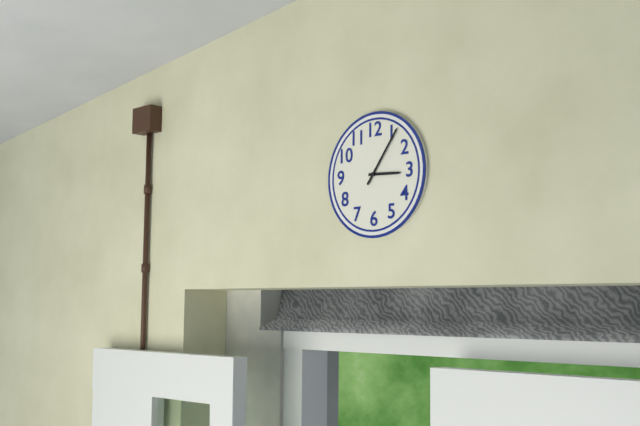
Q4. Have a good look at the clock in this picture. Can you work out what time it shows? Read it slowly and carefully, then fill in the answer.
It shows 3:06
